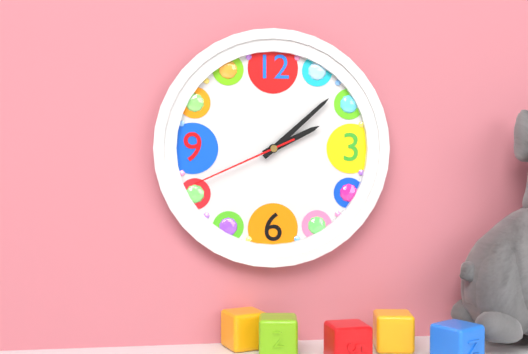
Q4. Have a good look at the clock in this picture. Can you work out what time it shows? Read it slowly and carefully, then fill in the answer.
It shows 2:08:41
